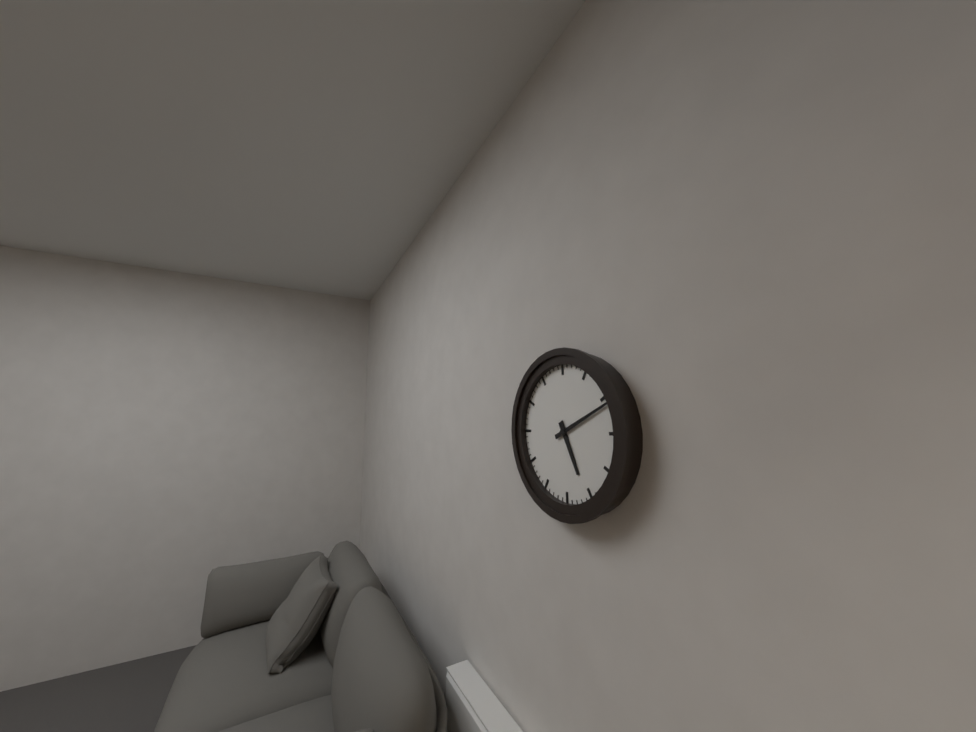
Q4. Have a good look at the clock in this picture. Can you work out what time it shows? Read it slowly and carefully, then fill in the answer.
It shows 5:11
